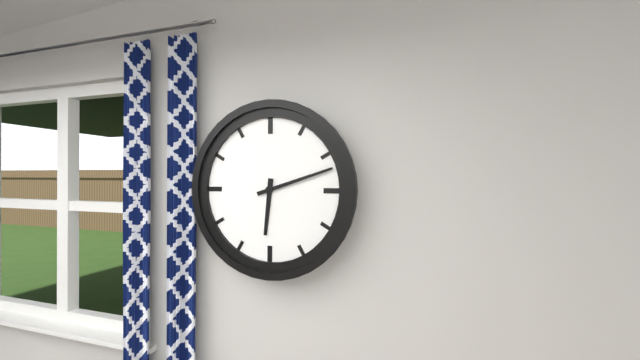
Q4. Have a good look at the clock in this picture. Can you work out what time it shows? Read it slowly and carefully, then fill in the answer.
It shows 6:12
